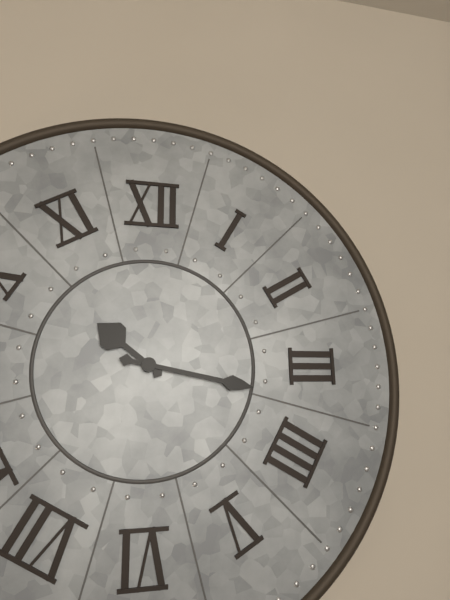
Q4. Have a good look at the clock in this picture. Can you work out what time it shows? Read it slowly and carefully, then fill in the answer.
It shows 10:17
